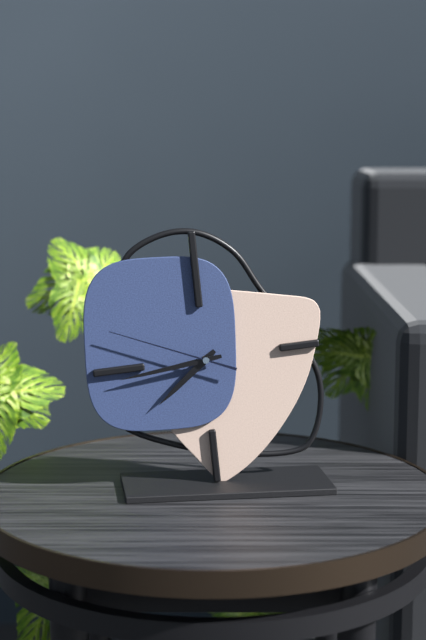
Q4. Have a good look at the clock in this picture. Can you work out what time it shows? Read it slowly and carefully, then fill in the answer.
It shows 7:44:49
